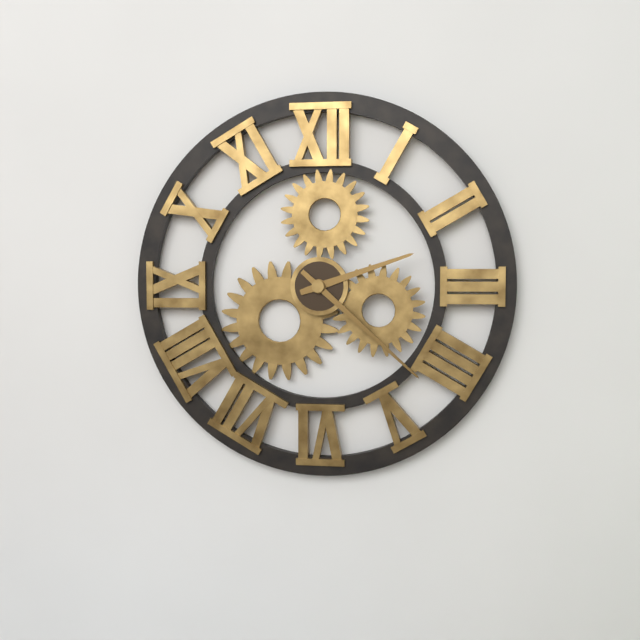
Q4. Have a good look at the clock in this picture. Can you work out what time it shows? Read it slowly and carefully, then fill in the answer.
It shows 2:22
